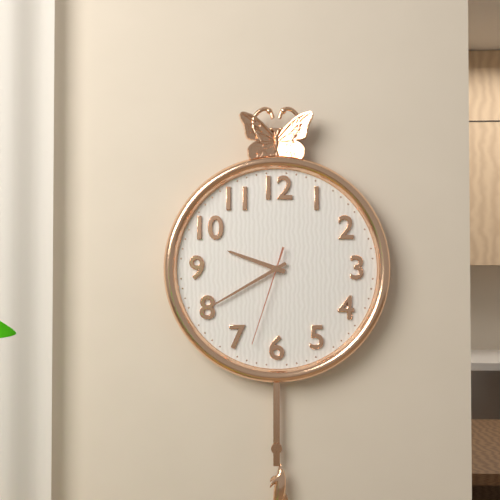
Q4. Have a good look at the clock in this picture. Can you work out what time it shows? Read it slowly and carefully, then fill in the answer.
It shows 9:40:33
